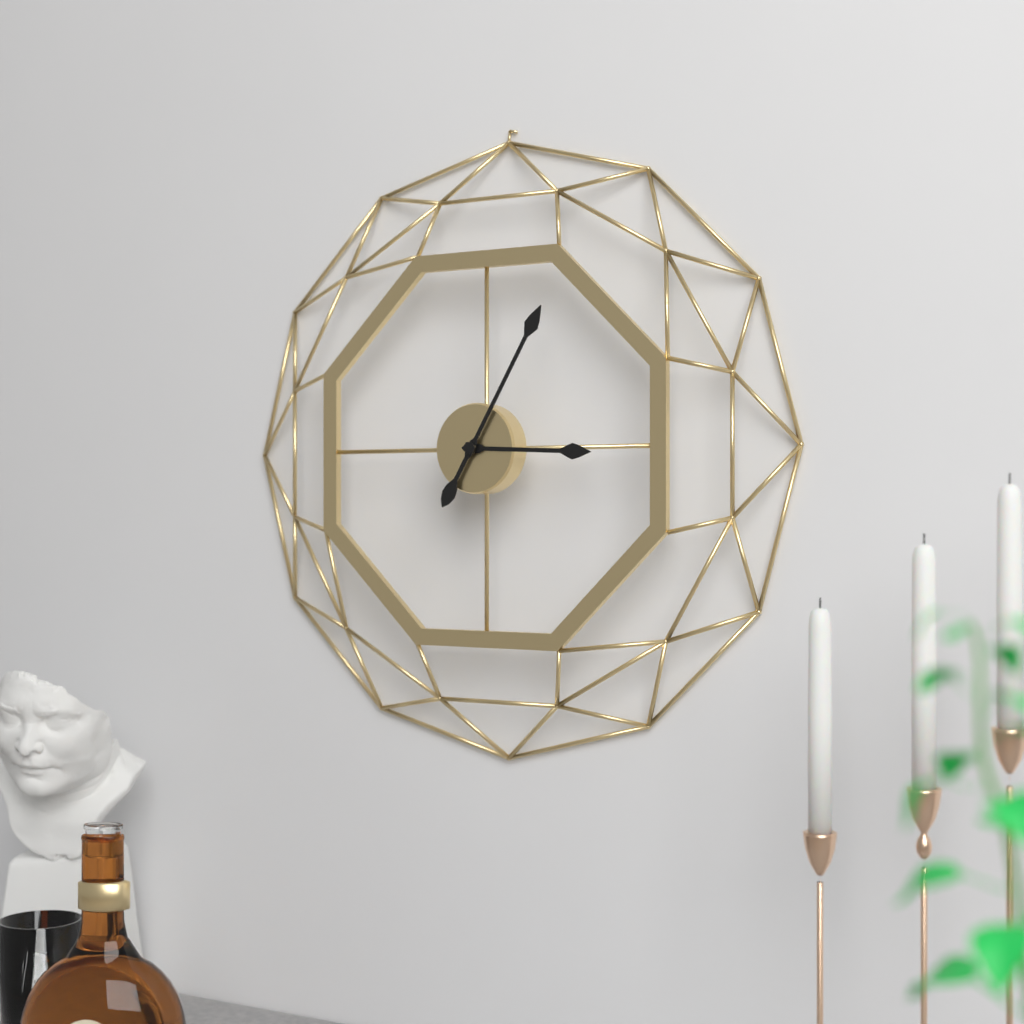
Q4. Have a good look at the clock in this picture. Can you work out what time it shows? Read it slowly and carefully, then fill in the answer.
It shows 3:05
